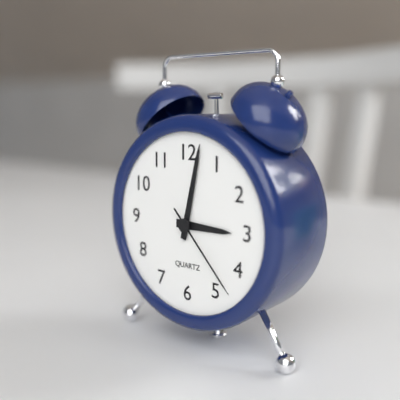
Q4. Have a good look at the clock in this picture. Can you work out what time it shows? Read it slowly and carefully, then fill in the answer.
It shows 3:02:23
